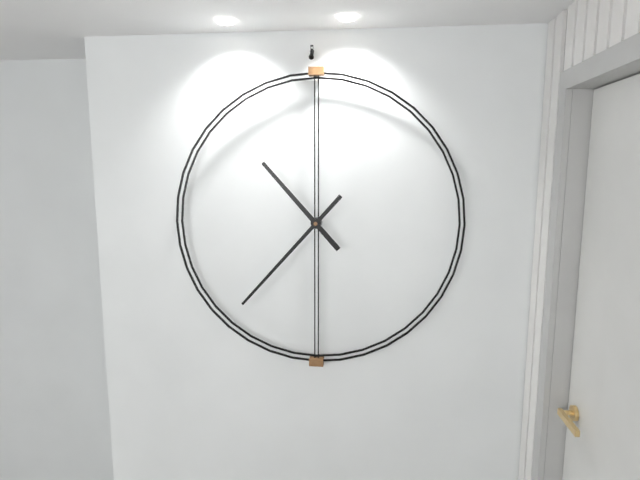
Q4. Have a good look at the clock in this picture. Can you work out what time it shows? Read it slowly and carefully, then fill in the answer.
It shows 10:37
